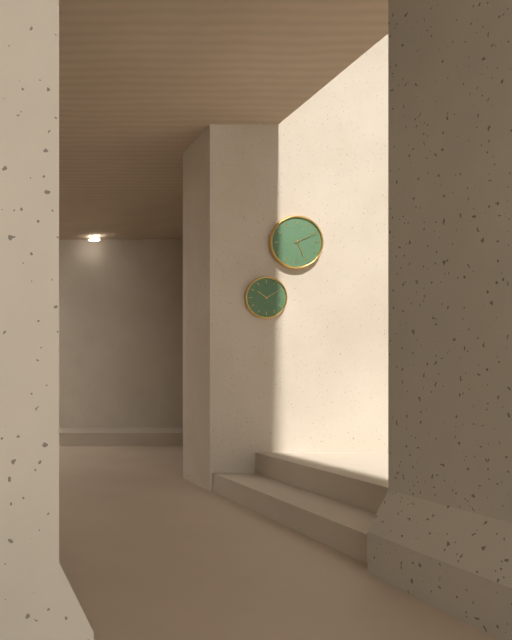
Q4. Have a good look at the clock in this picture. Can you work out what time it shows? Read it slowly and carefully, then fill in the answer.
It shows 5:11
